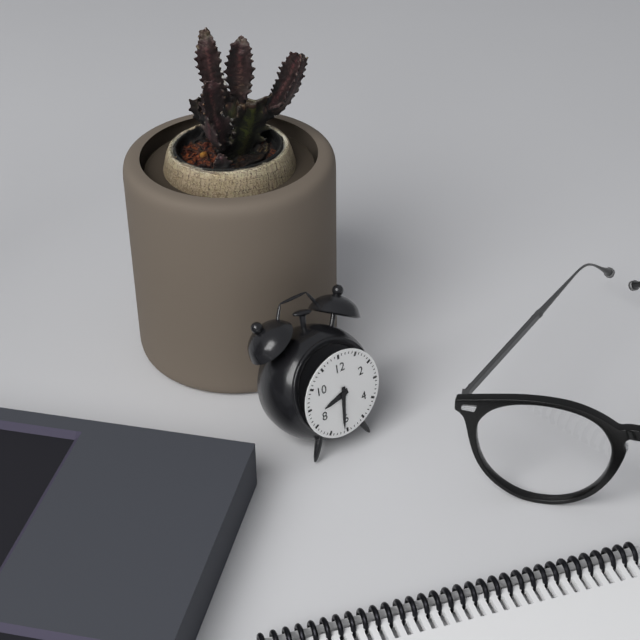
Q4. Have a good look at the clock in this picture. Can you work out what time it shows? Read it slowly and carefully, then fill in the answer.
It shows 8:31
